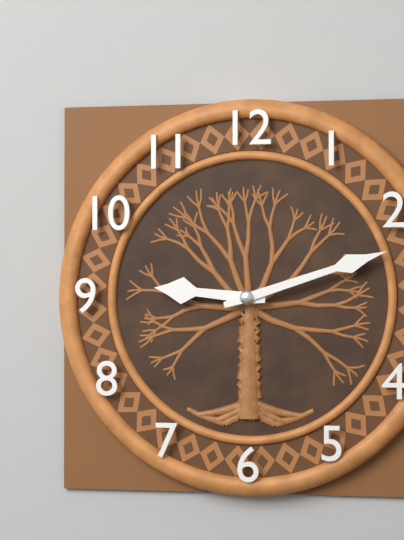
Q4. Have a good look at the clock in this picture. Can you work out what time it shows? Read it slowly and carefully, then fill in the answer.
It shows 9:12
